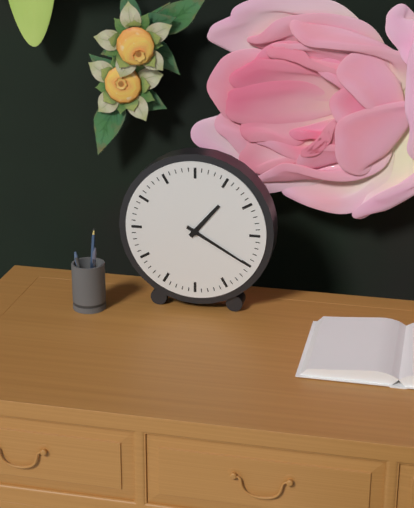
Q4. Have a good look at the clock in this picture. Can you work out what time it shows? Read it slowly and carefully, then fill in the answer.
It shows 1:20
